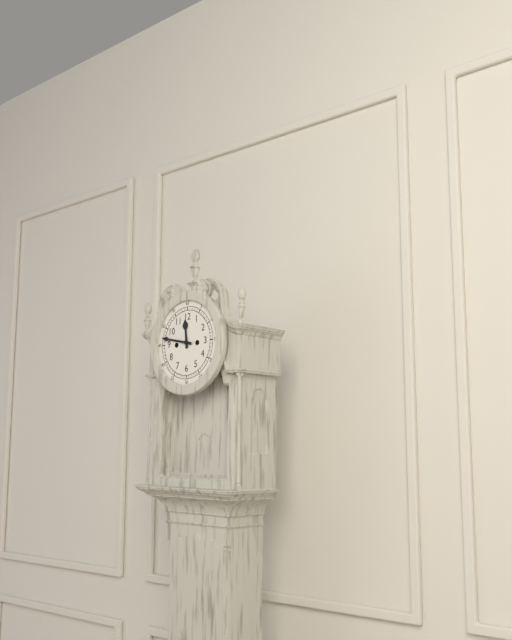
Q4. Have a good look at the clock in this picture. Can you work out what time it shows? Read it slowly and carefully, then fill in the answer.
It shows 11:47
